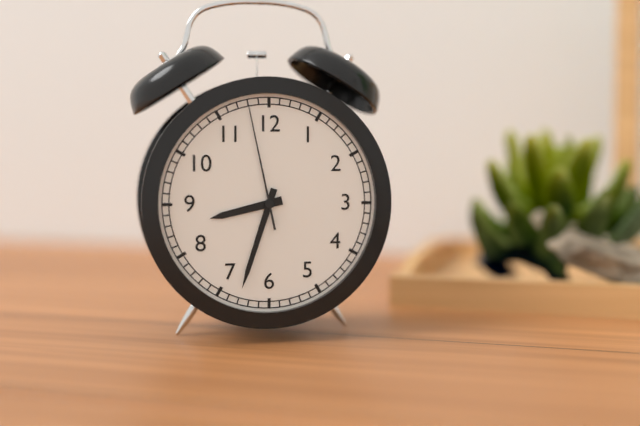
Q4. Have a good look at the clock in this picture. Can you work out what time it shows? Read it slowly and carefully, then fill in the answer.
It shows 8:33:58
